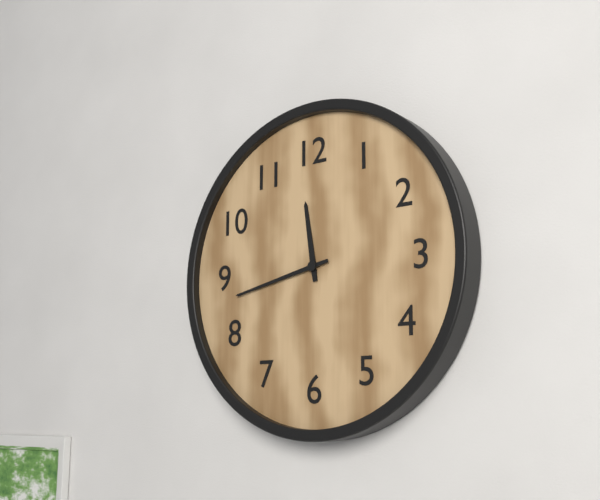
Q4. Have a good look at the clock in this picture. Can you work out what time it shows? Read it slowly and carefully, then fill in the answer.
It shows 11:43
